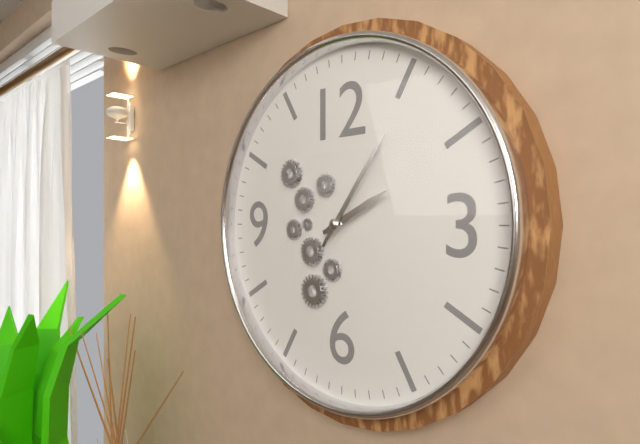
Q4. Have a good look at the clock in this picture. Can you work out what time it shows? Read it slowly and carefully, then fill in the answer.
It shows 2:06
